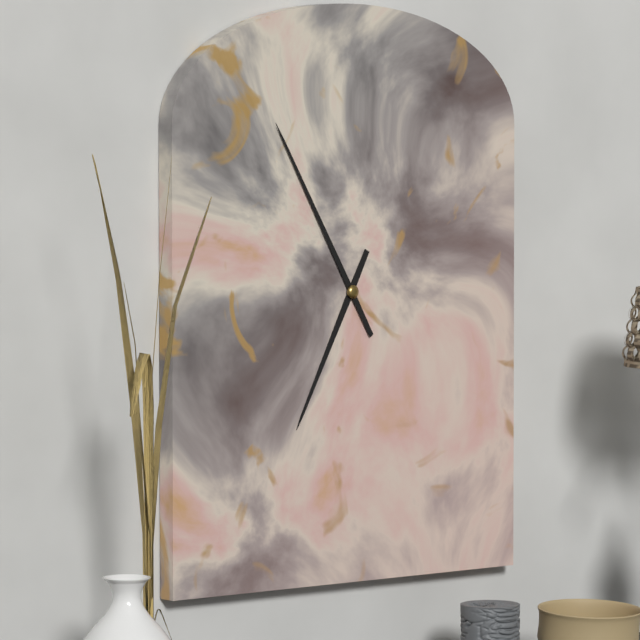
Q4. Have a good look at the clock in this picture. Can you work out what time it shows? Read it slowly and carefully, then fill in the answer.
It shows 6:55
